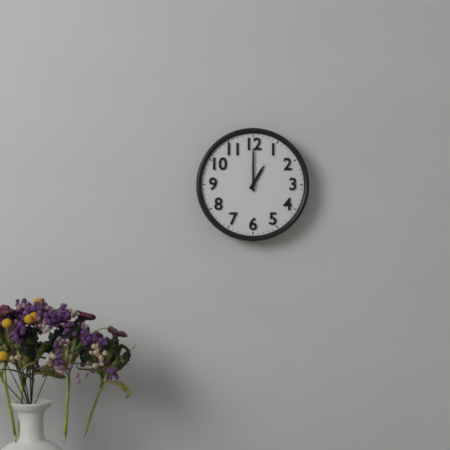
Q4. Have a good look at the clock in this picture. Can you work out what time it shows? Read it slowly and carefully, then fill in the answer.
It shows 1:00
